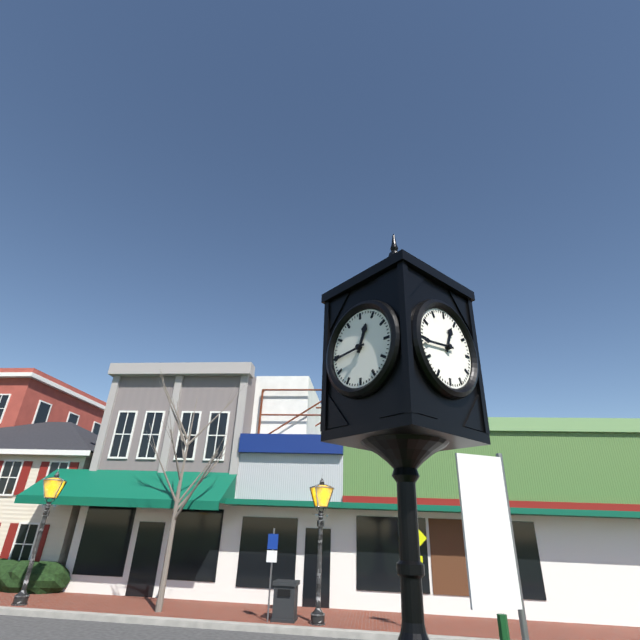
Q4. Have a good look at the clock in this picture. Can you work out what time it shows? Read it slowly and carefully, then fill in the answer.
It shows 12:44
